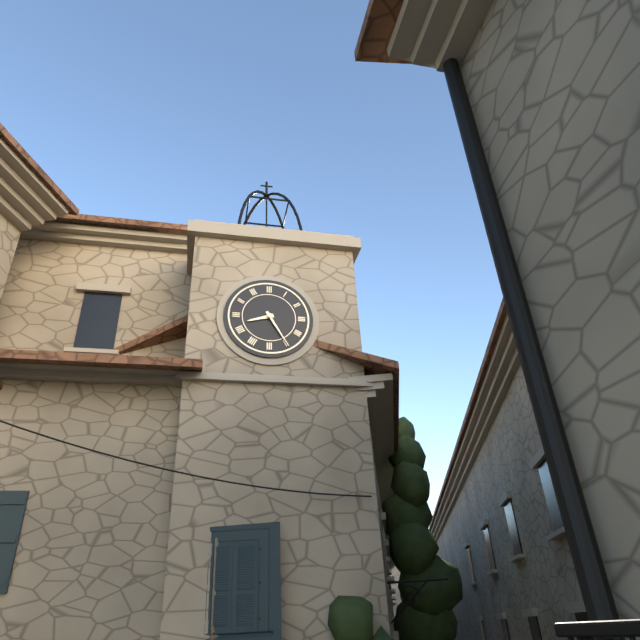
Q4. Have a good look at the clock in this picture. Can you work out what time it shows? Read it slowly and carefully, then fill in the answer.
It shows 8:25
